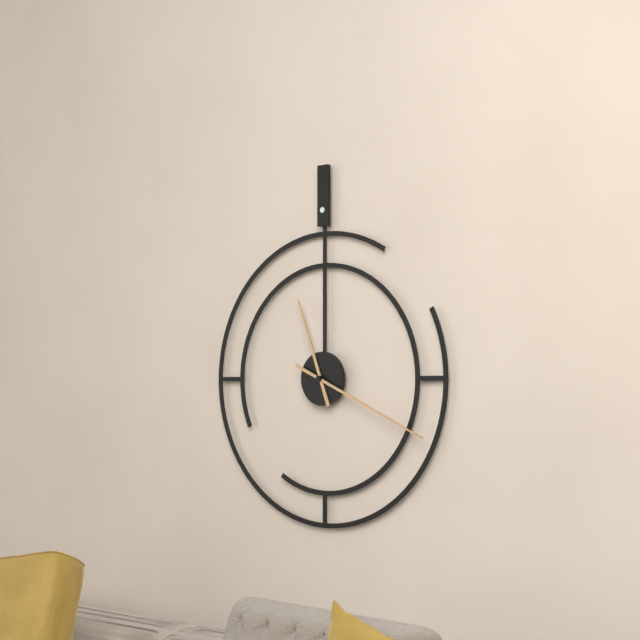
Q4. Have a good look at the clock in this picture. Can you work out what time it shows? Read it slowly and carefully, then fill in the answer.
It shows 11:19
